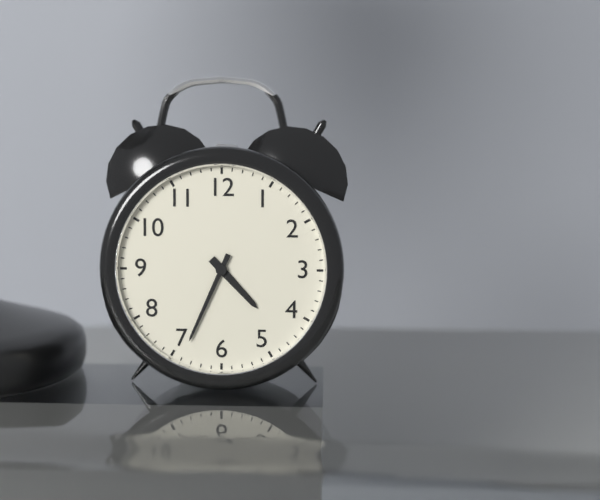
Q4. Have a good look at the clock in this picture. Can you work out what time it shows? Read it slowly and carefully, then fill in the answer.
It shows 4:34
